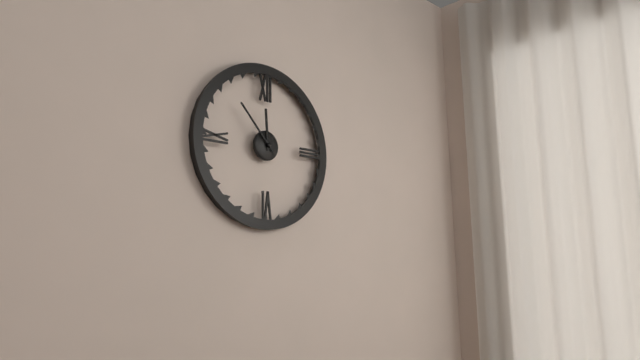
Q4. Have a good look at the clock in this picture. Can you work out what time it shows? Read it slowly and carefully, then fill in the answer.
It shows 11:53
